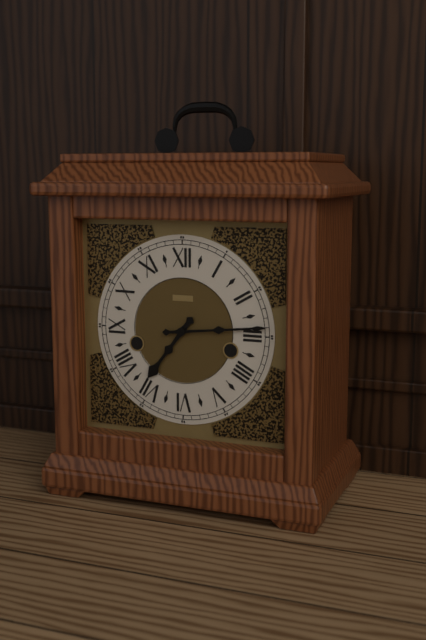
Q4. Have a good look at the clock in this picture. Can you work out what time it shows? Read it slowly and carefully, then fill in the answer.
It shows 7:14
